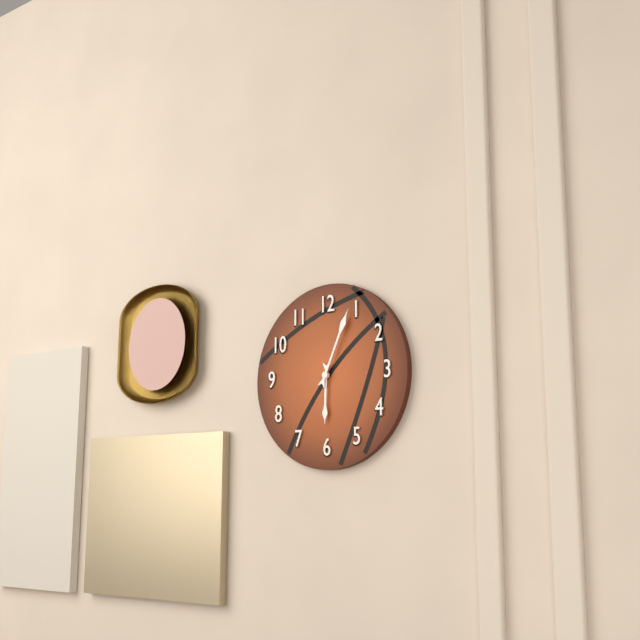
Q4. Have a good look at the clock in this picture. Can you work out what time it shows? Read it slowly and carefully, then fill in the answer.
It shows 6:04
